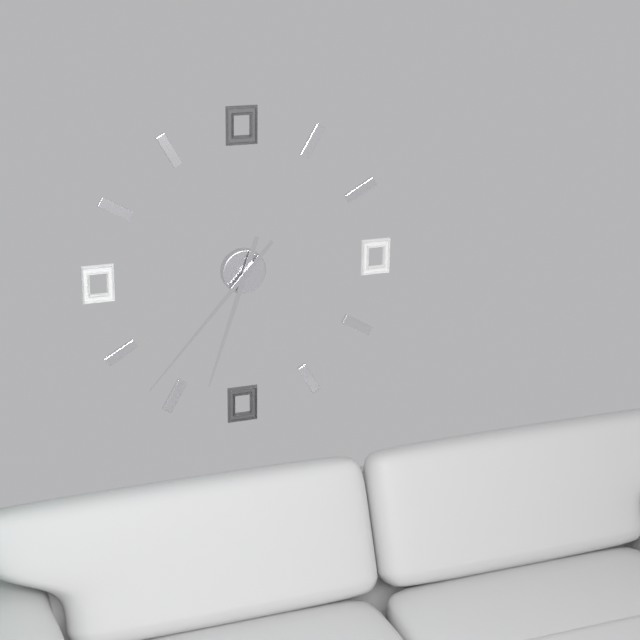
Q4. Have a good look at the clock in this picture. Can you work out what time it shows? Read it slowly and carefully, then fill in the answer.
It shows 6:37
